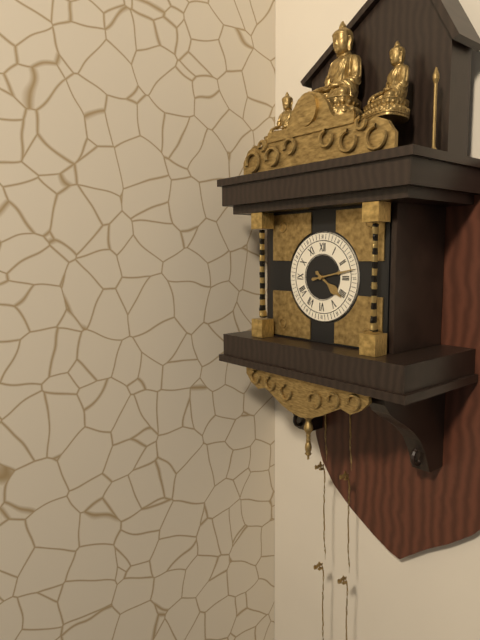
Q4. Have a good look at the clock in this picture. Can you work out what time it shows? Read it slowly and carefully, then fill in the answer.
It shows 4:13
